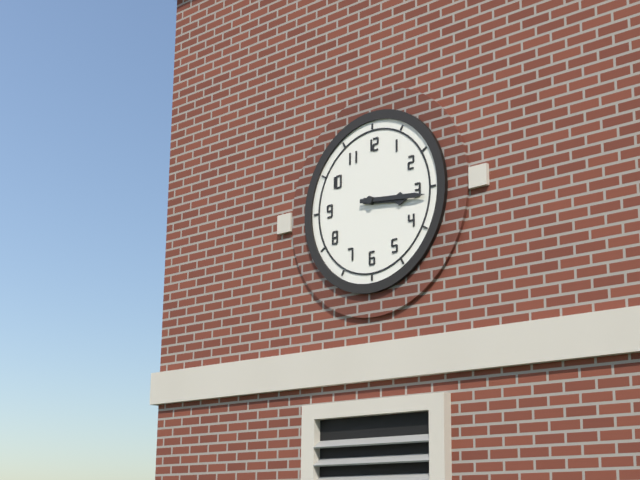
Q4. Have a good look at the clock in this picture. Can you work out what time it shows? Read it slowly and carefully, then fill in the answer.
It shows 3:16
